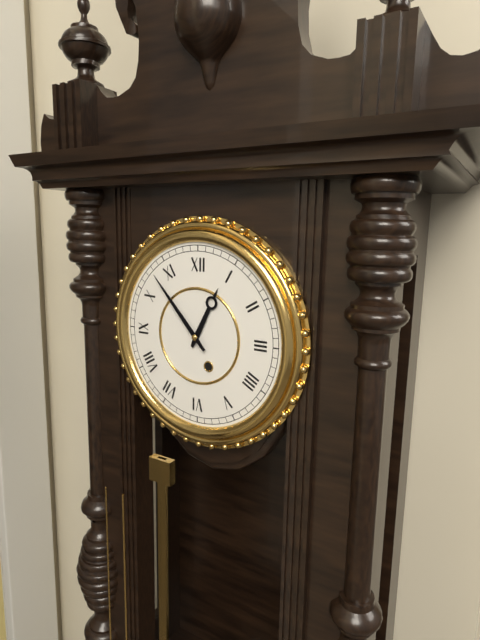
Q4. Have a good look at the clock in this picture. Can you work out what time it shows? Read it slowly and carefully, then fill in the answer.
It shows 12:53
